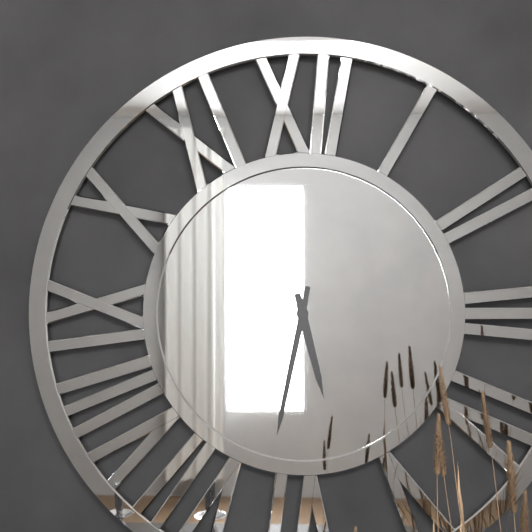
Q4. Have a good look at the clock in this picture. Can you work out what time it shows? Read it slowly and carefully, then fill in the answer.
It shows 5:32
